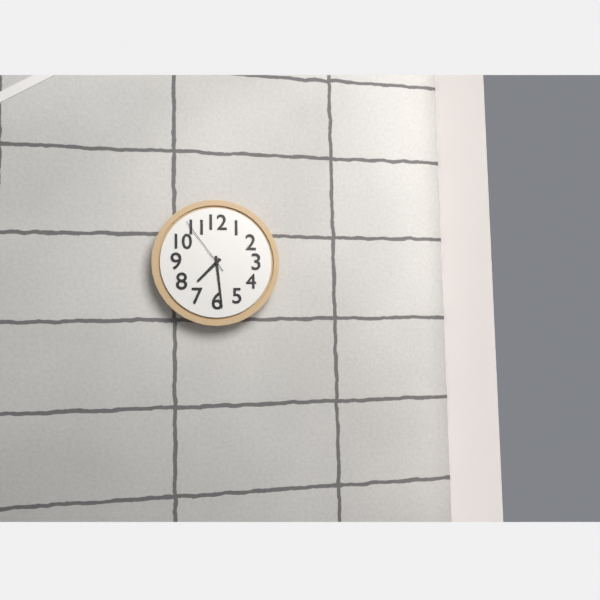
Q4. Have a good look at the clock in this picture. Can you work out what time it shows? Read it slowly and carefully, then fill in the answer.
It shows 7:29:54
